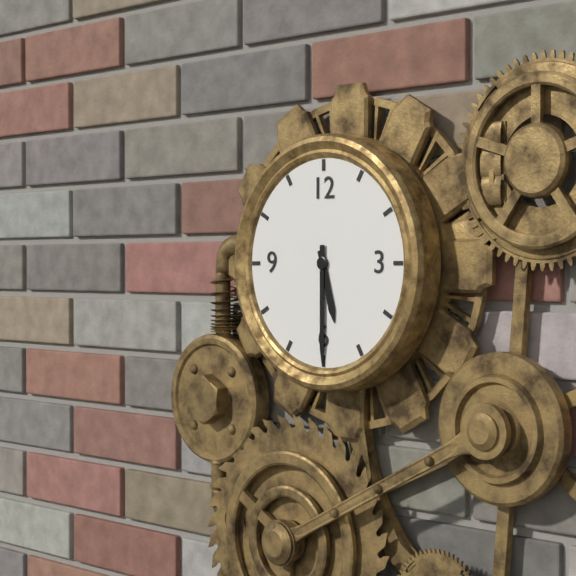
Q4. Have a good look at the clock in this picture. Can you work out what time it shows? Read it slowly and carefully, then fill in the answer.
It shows 5:30
